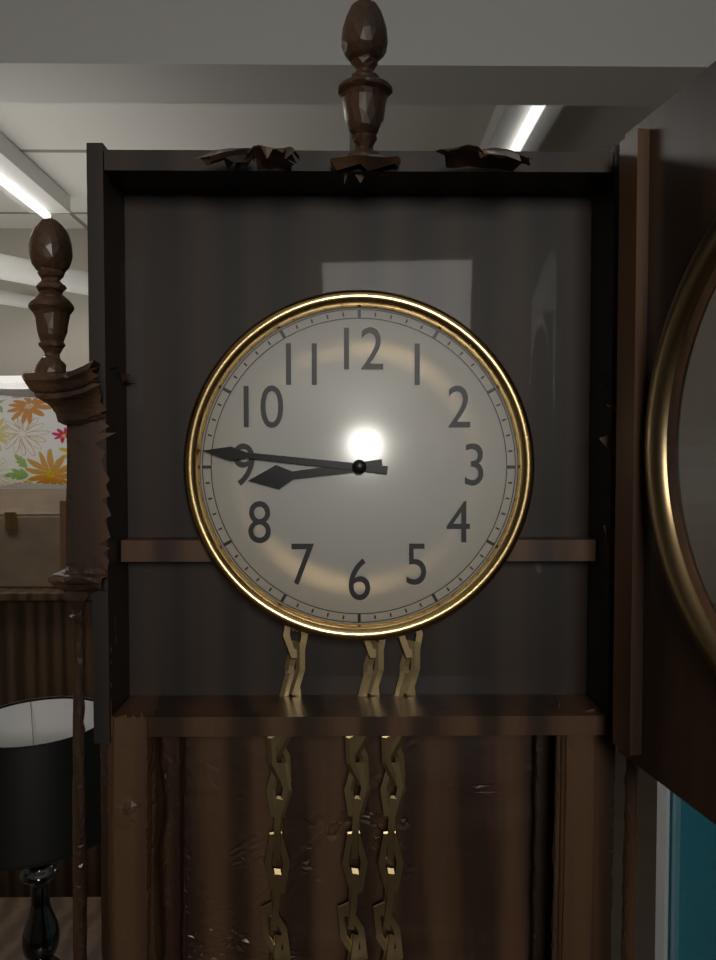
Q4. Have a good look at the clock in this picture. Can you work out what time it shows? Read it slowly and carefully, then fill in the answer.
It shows 8:46
